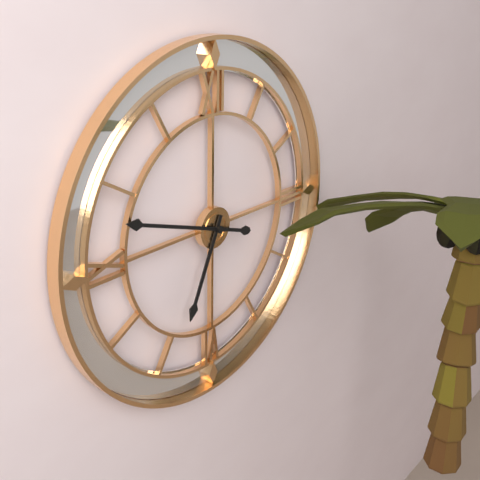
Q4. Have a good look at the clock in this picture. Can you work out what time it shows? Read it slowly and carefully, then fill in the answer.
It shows 6:48
